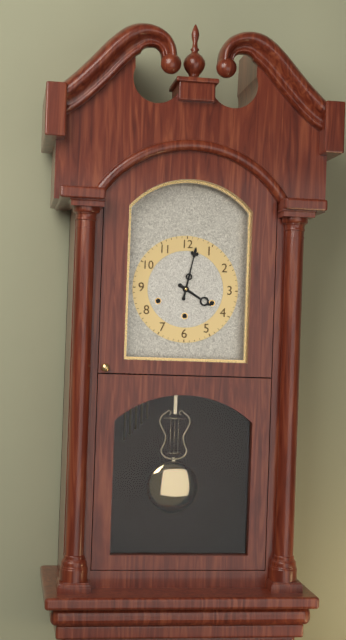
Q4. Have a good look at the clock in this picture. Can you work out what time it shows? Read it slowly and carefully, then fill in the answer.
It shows 4:02
